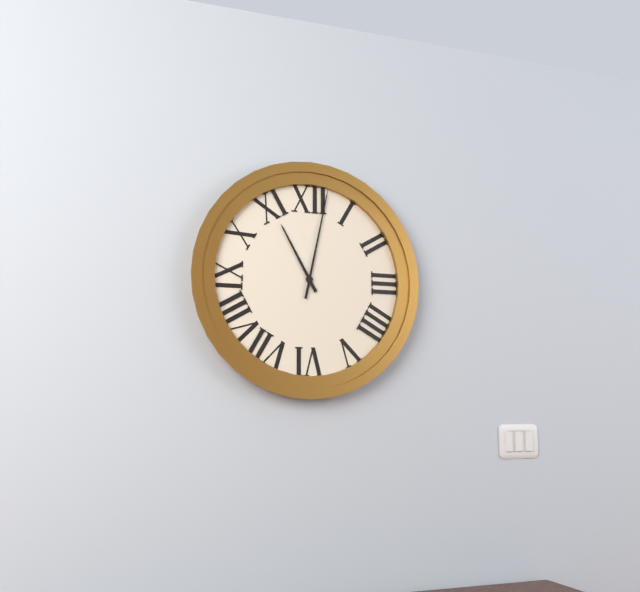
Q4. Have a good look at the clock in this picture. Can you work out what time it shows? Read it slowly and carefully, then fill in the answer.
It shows 11:02
